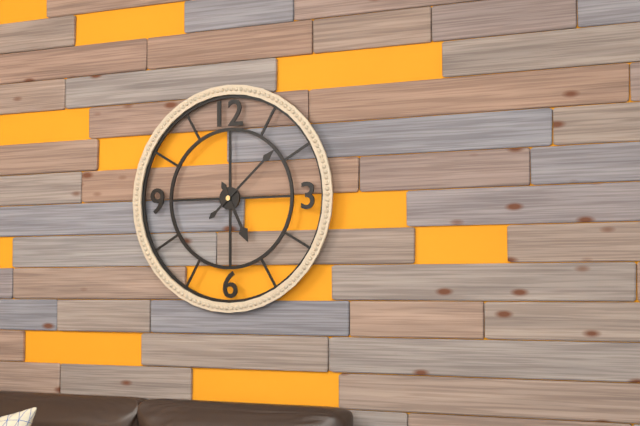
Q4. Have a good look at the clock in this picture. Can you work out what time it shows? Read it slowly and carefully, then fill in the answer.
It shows 5:08
